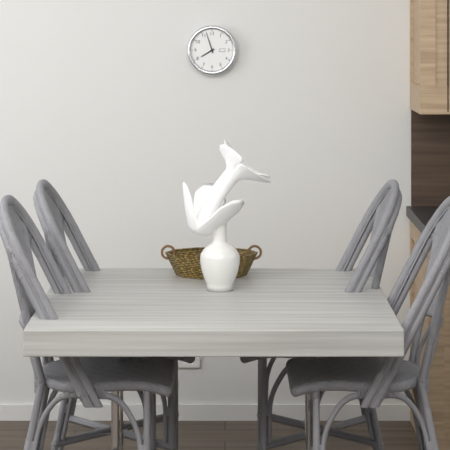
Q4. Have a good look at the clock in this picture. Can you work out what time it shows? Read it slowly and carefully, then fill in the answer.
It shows 7:57
